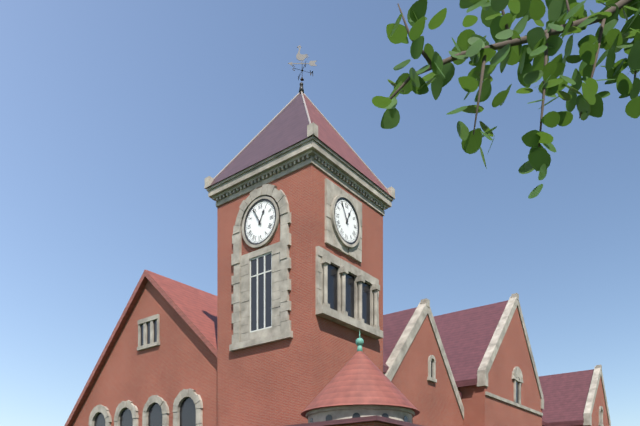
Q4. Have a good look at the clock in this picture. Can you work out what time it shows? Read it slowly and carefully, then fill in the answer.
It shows 12:55
